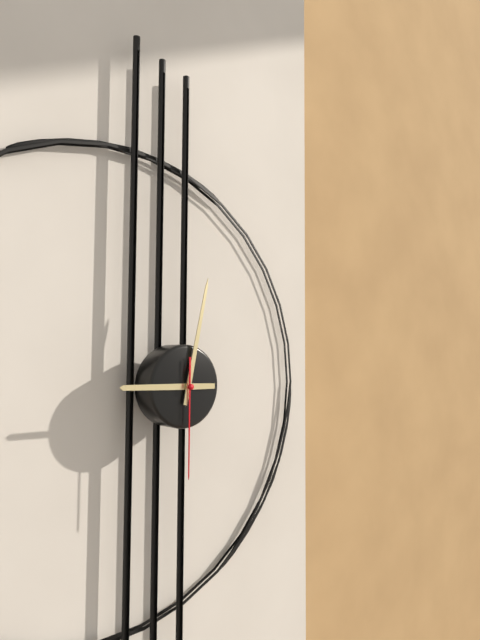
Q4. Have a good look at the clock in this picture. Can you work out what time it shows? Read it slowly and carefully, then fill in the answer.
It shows 9:02:30
